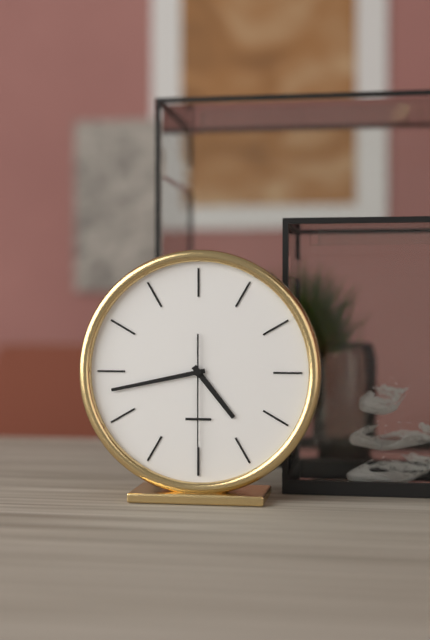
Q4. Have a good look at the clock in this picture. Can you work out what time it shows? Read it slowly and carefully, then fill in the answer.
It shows 4:43:30
